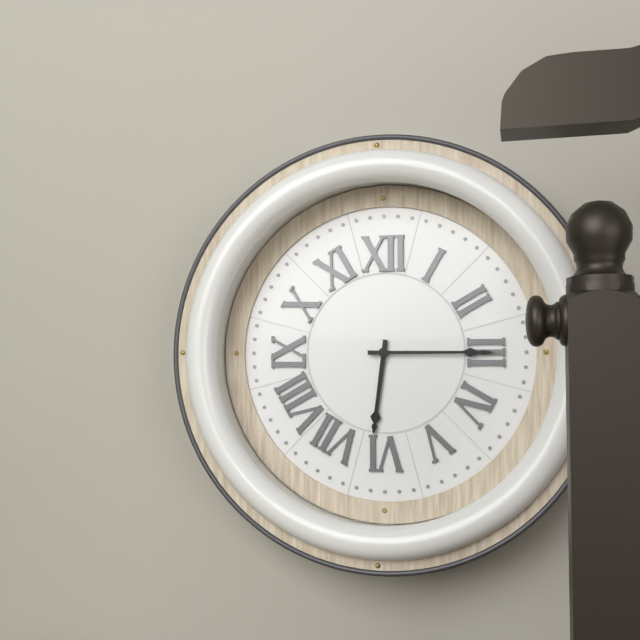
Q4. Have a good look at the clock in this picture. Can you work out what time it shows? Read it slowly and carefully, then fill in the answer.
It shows 6:15
